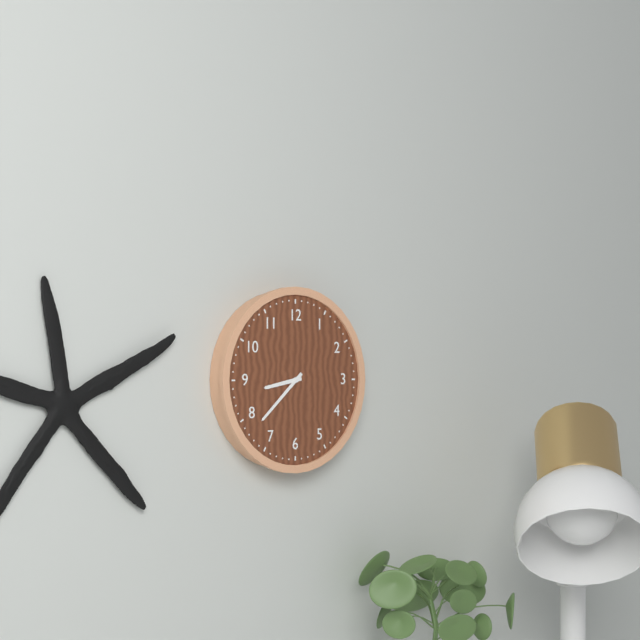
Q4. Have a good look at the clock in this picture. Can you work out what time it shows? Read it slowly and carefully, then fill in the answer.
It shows 8:38
